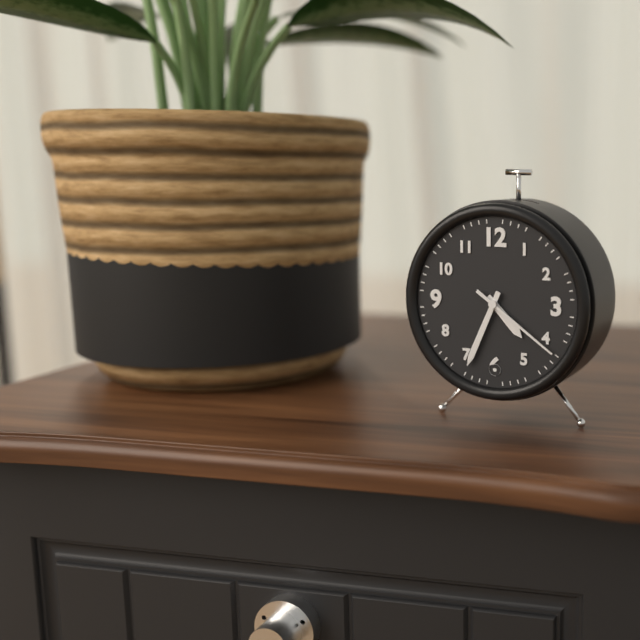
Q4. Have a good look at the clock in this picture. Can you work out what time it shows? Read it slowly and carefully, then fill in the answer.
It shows 4:34:21
